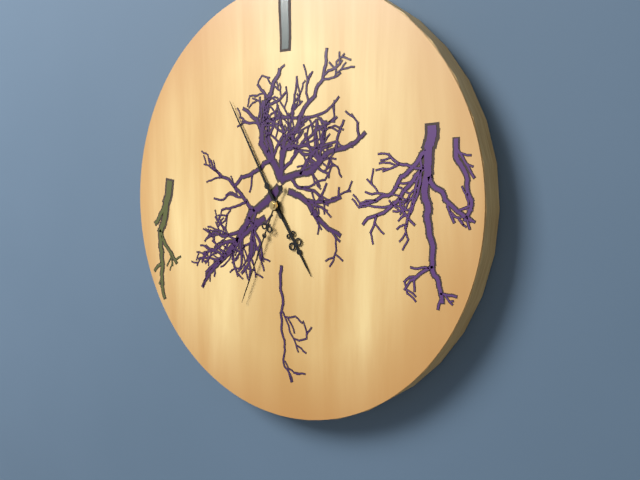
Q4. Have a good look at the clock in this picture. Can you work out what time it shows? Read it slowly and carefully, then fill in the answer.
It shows 4:55:34
